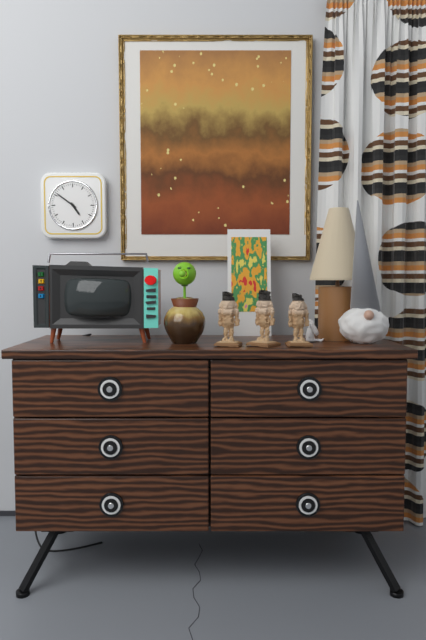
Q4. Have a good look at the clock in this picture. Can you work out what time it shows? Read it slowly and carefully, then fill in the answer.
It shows 4:51
